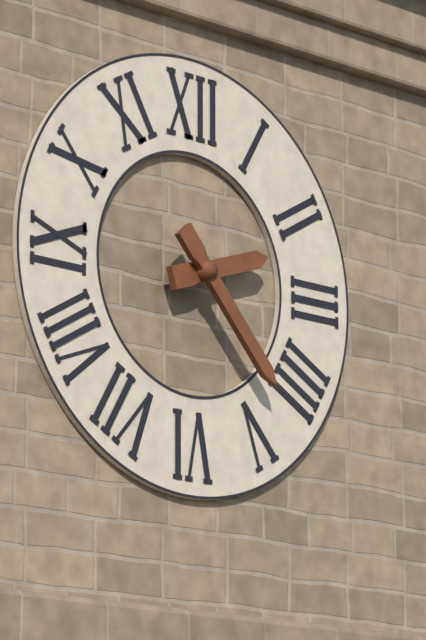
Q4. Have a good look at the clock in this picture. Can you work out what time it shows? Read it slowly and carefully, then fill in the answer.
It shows 2:23
